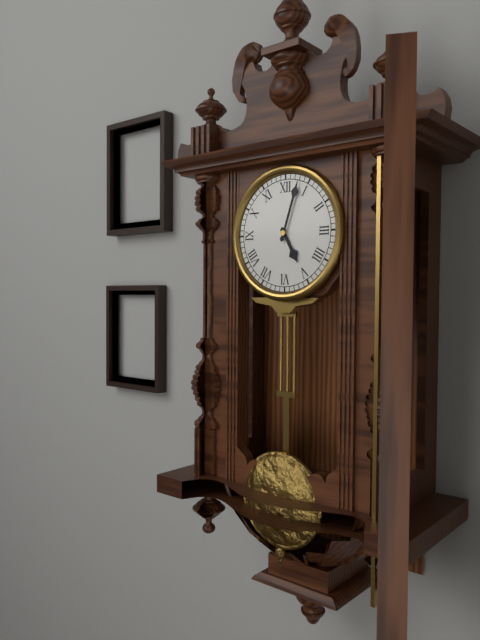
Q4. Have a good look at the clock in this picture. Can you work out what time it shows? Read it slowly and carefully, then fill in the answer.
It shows 5:03
